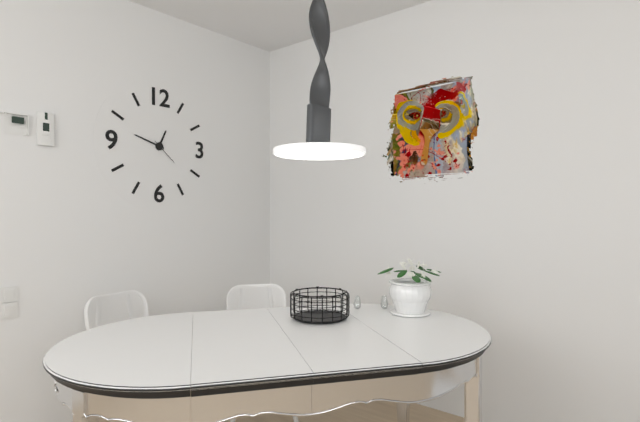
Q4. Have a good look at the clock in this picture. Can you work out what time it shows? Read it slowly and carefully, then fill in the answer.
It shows 12:48
